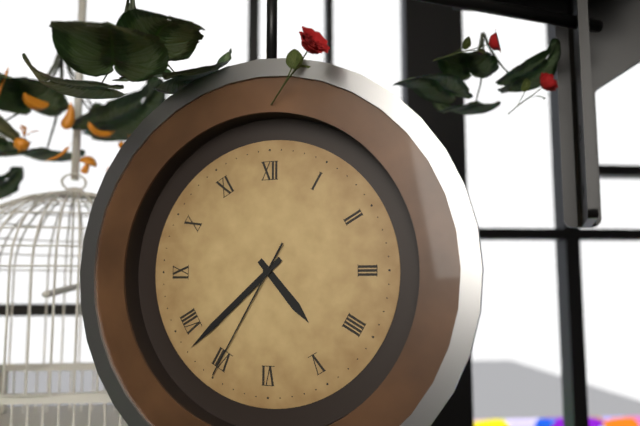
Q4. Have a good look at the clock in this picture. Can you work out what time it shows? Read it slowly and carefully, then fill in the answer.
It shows 4:38:35
